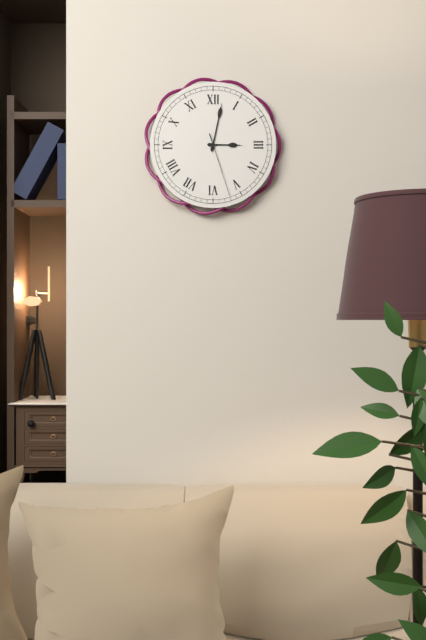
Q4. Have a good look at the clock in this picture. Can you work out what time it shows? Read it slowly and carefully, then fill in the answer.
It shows 3:02:27
